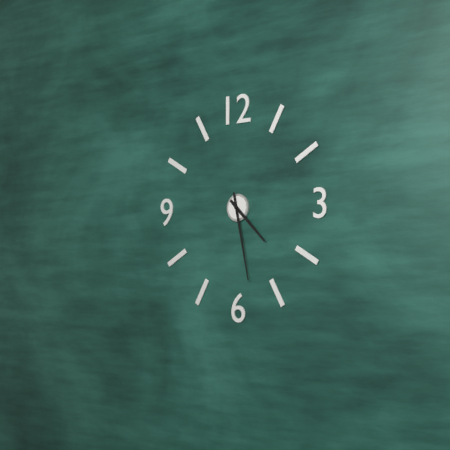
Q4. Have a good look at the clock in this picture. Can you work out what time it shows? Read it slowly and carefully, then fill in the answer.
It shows 4:28
